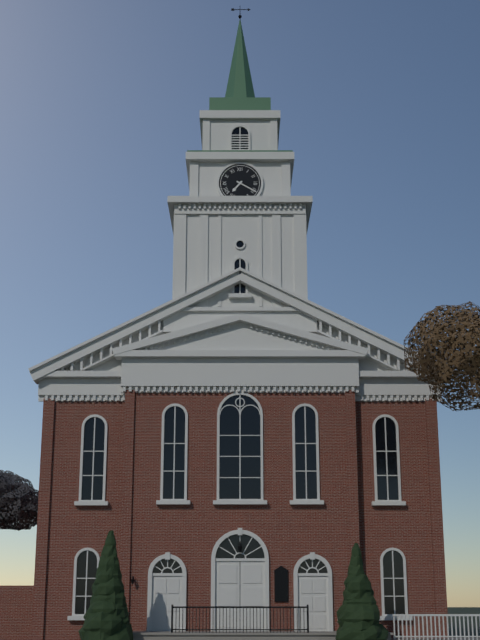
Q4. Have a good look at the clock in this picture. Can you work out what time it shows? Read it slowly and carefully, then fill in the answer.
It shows 7:20
